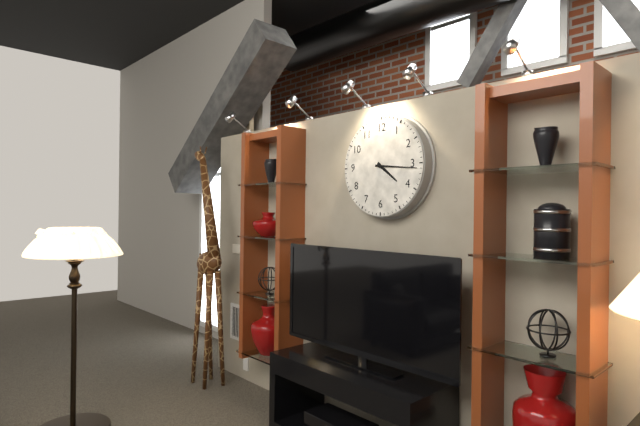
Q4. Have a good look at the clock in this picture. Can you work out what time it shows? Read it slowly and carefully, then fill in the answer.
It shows 4:16
